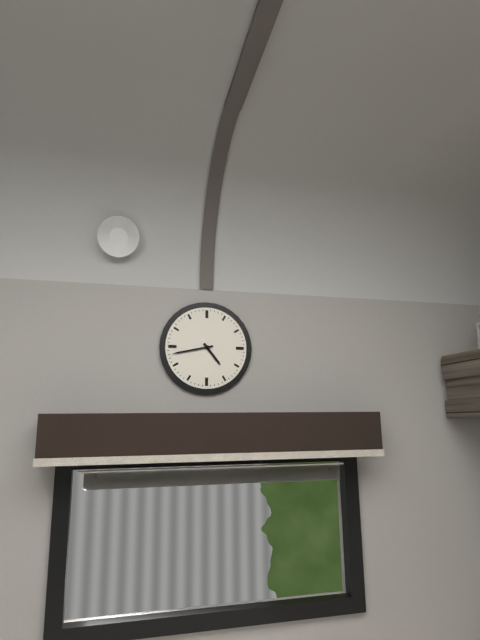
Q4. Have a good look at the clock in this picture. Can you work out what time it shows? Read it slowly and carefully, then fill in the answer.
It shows 4:43
